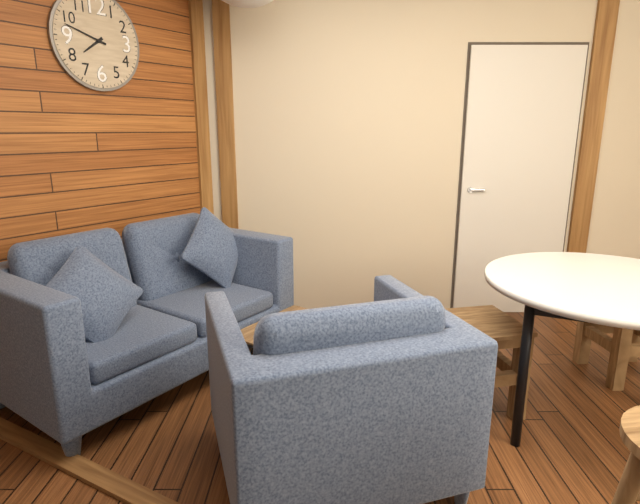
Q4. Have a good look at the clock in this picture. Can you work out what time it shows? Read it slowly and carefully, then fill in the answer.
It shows 7:48
